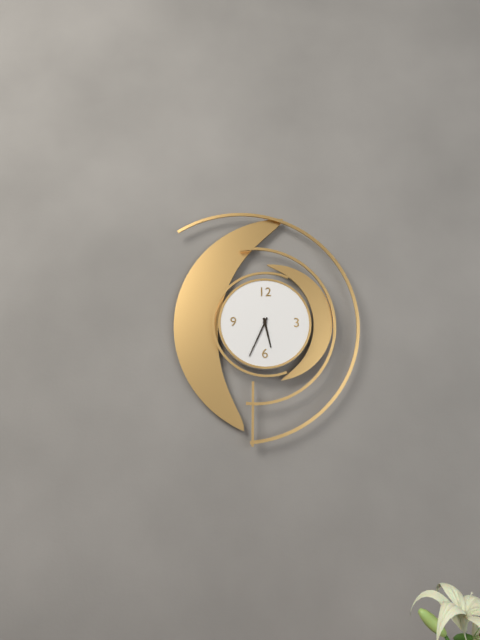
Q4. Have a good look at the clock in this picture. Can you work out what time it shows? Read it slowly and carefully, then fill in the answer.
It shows 5:34
